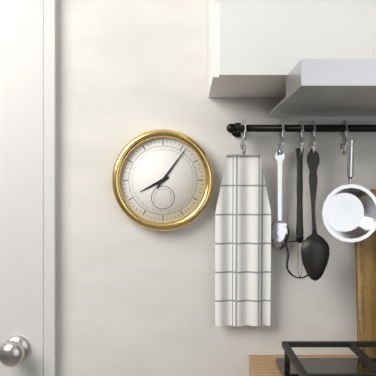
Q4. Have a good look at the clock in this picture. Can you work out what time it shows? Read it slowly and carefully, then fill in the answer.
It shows 8:06
